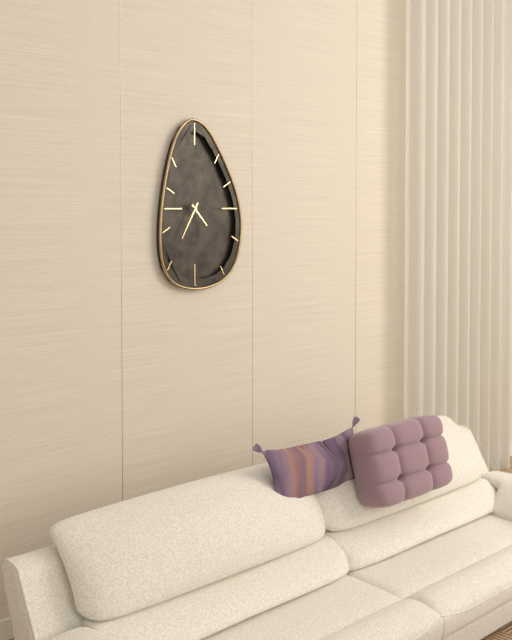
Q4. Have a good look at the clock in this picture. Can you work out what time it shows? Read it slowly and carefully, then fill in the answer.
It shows 4:35
